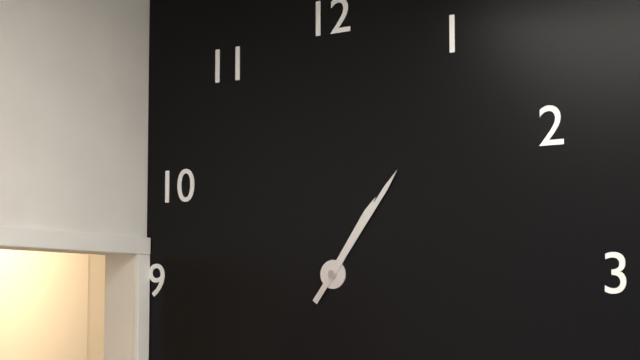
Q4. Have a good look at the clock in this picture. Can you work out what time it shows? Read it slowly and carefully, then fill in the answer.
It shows 1:06
